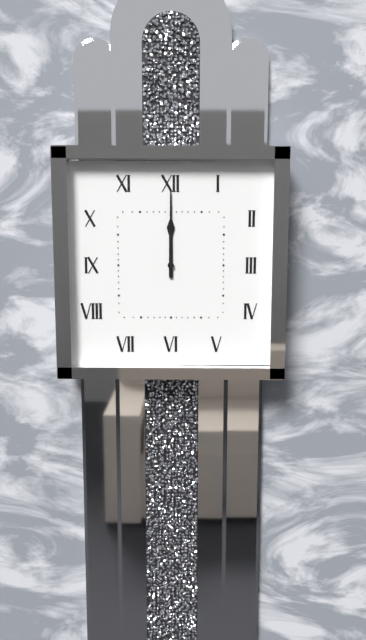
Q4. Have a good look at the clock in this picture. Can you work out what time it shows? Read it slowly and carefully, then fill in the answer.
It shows 12:00
